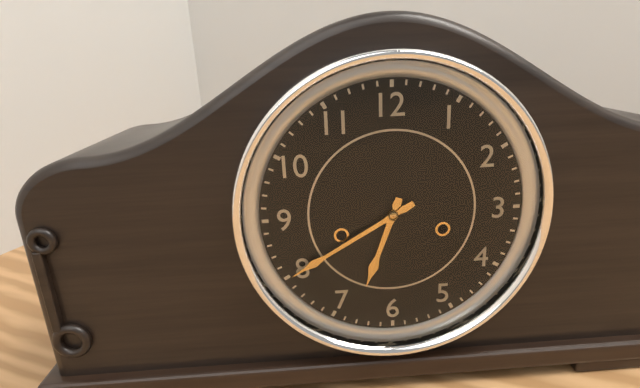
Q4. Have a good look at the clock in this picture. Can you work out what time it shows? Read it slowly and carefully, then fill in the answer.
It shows 6:40
